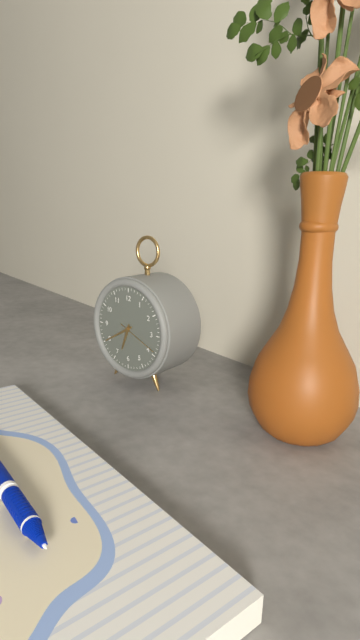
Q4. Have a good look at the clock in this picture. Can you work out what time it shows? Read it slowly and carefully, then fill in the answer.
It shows 6:40
